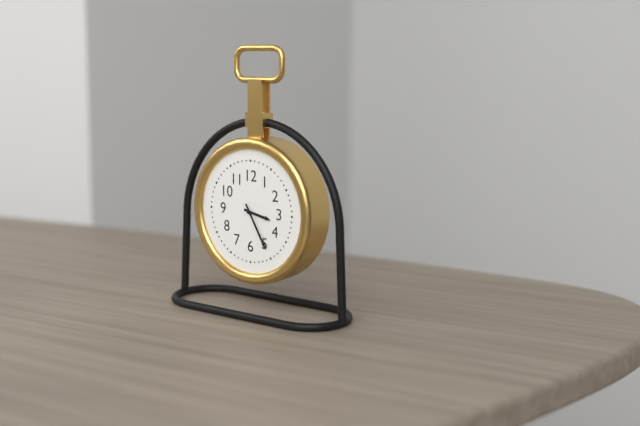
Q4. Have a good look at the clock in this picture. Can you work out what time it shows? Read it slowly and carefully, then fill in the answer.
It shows 3:25
